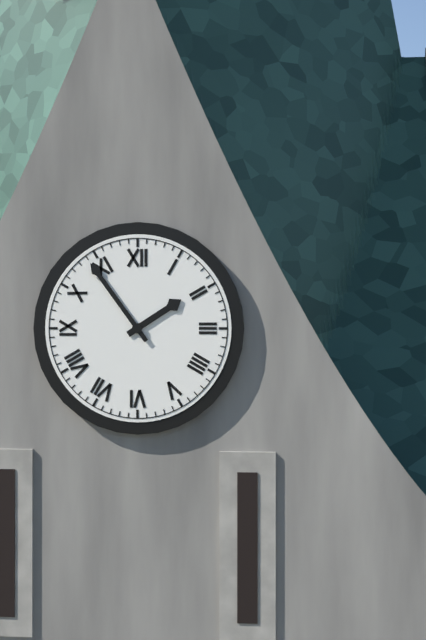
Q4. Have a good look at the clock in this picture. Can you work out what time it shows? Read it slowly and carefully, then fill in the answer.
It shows 1:54
